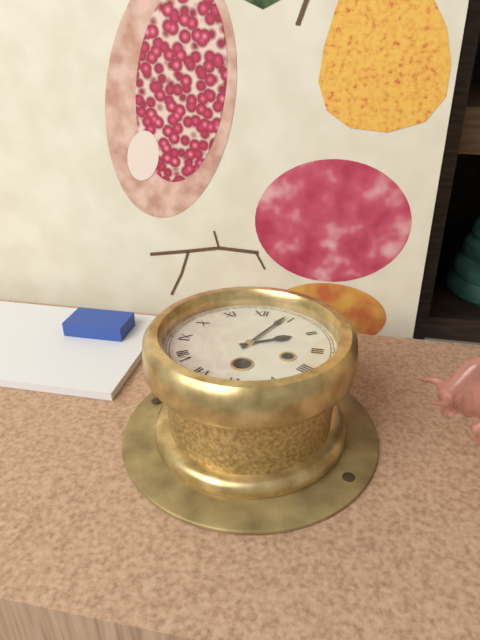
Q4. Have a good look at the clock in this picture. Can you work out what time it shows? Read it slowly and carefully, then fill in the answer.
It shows 2:04
